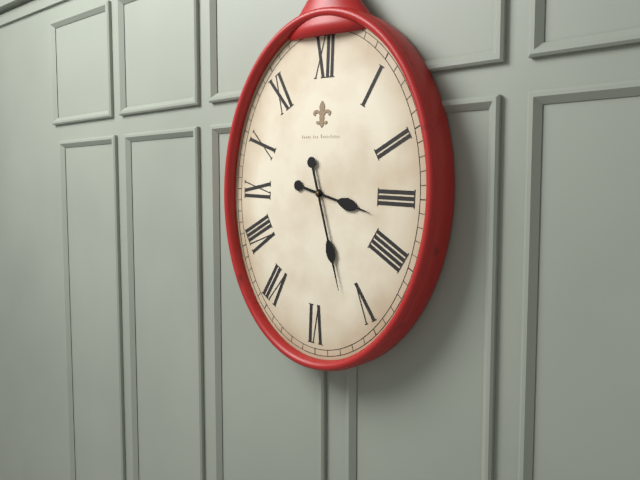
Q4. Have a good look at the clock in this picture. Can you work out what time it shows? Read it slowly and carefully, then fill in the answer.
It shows 3:27
